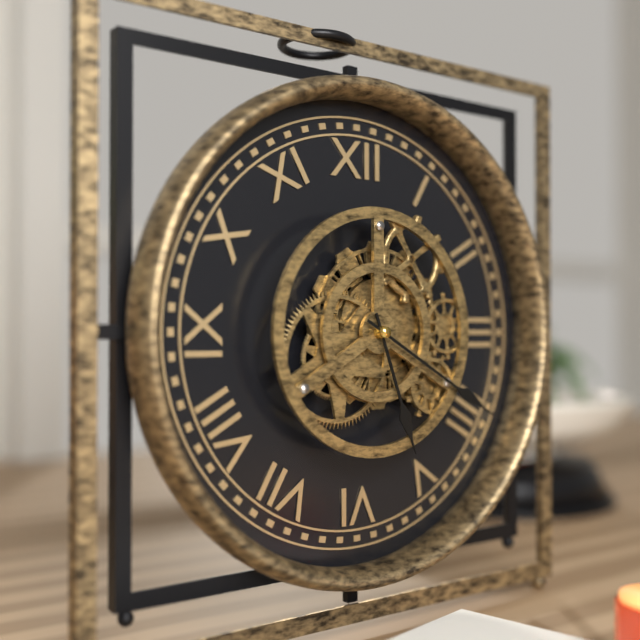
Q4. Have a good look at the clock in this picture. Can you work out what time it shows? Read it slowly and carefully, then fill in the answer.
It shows 5:20
